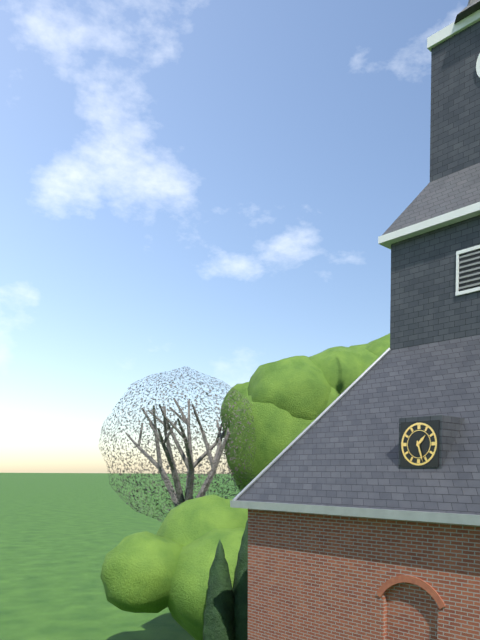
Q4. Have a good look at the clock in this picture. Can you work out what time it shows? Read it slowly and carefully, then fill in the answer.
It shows 1:27
